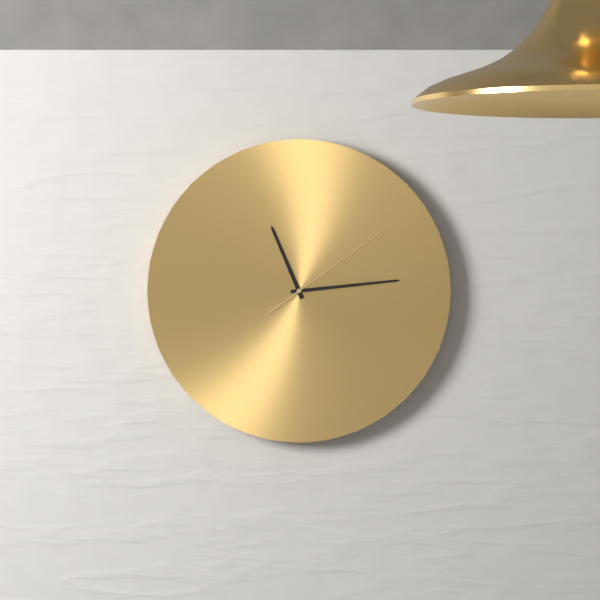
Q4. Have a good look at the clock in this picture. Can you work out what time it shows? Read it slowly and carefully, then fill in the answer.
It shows 11:14:09
